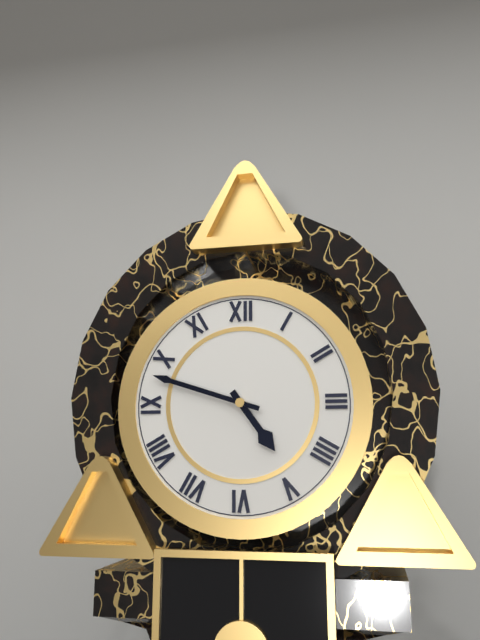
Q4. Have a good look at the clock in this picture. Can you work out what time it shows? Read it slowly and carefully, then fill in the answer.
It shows 4:48
